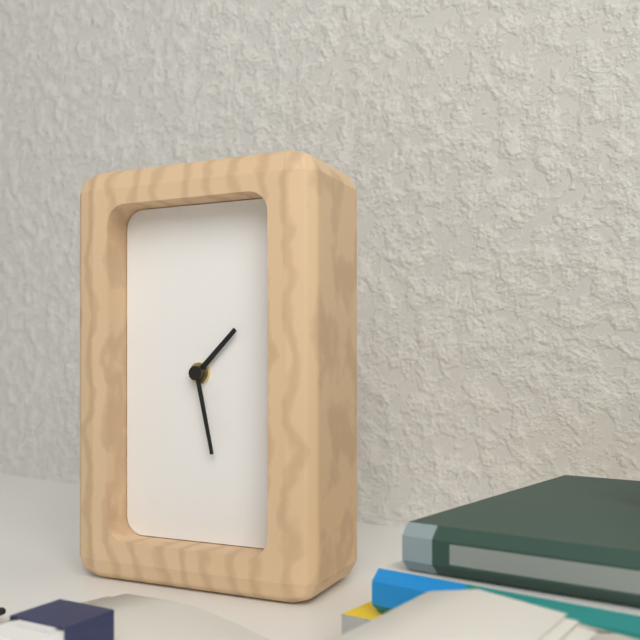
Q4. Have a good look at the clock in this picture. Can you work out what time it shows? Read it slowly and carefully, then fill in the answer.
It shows 1:28
